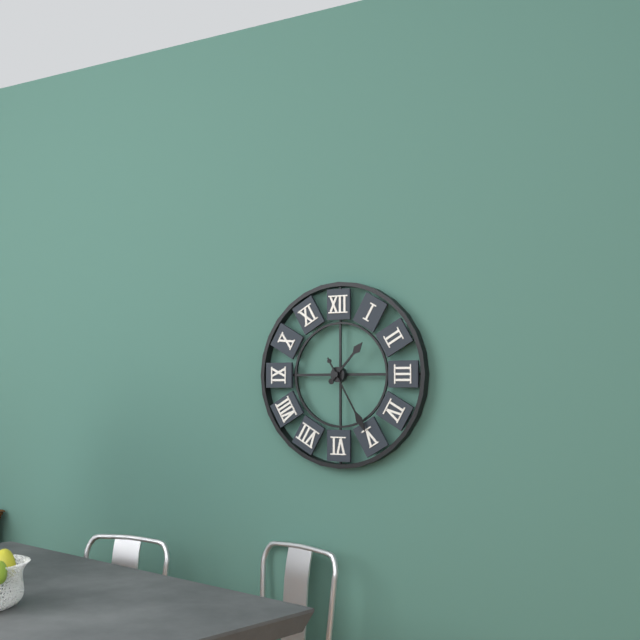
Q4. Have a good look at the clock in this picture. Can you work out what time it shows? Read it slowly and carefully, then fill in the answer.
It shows 1:25
